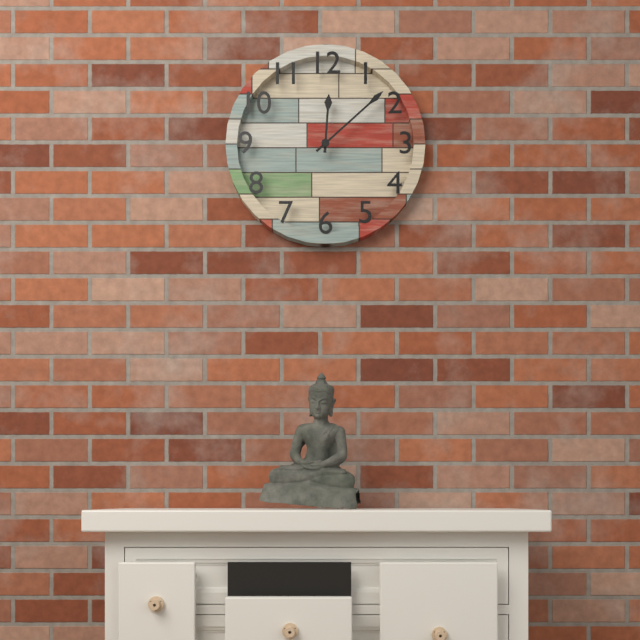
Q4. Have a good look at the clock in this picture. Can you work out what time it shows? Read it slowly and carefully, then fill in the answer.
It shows 12:08
